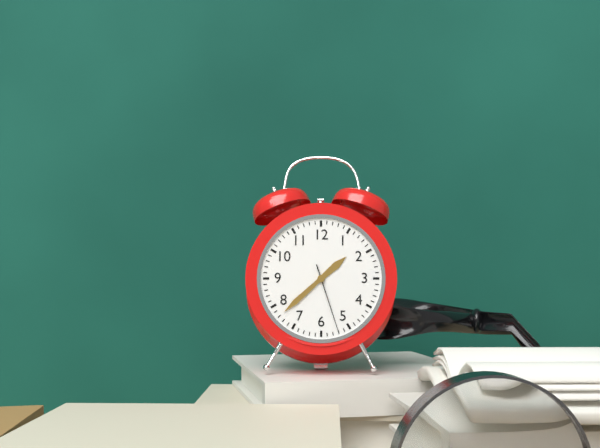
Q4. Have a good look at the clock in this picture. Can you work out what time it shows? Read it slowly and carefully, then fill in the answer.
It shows 1:38:27
